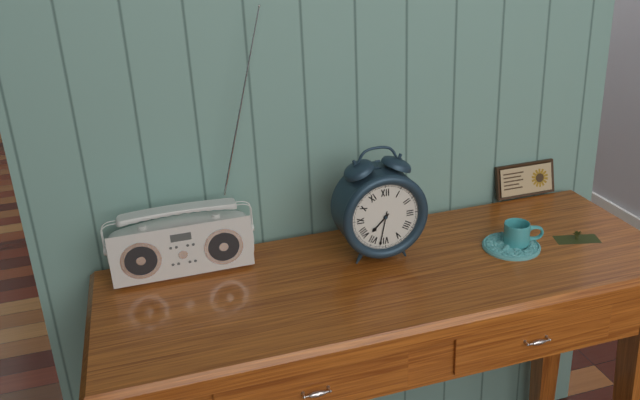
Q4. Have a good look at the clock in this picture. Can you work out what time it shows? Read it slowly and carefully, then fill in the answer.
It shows 7:32
